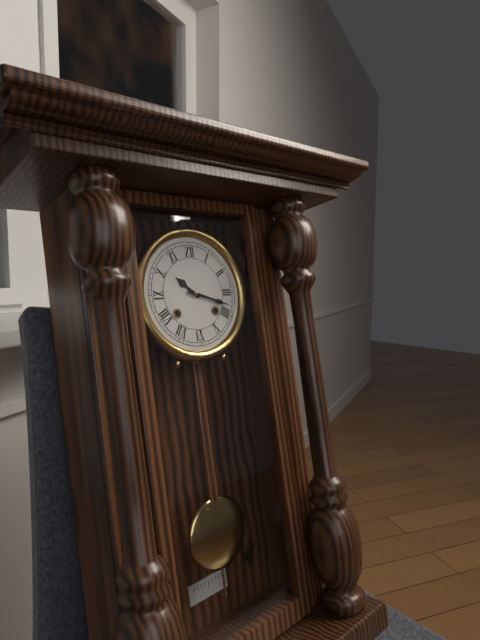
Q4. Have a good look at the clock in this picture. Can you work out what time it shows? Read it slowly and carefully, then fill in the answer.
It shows 10:18
